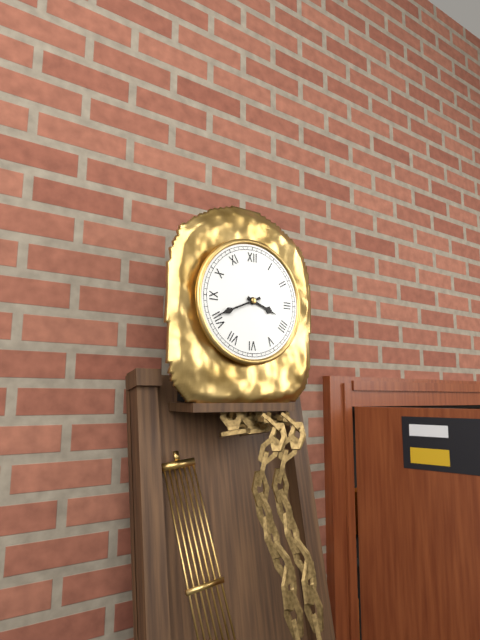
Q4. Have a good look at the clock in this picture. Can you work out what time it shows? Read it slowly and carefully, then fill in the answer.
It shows 3:41
